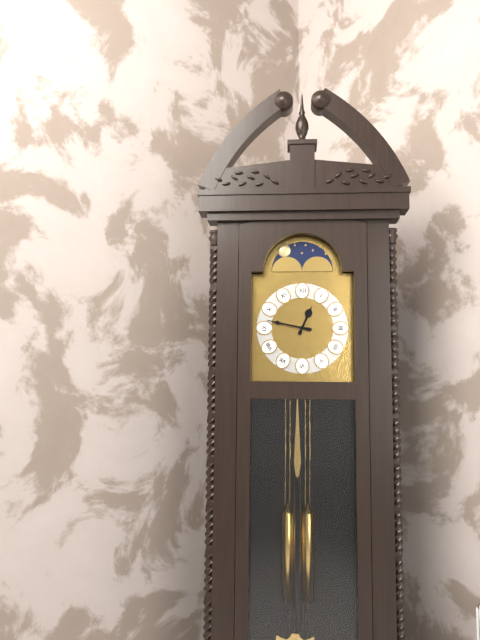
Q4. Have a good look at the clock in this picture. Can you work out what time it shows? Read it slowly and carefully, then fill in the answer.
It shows 12:47
